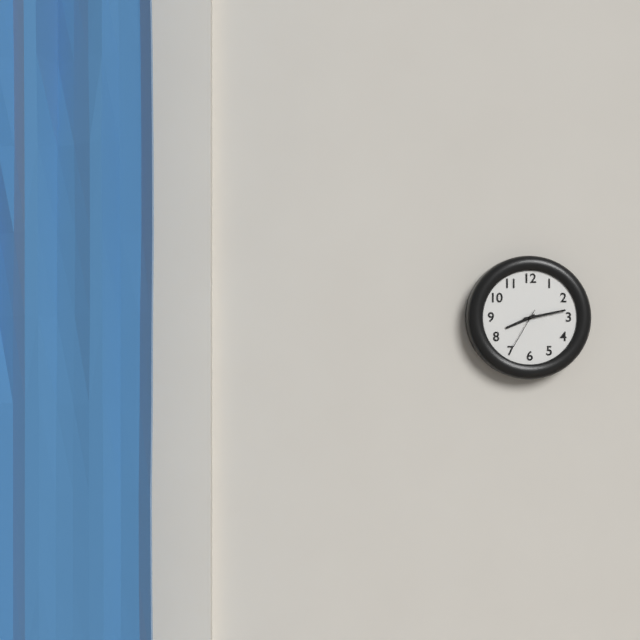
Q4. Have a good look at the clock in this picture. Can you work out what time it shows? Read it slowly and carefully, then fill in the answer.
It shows 8:13
